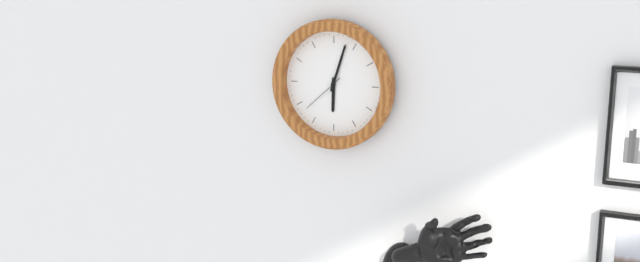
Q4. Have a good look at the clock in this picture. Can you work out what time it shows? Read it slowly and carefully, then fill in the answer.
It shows 6:03
